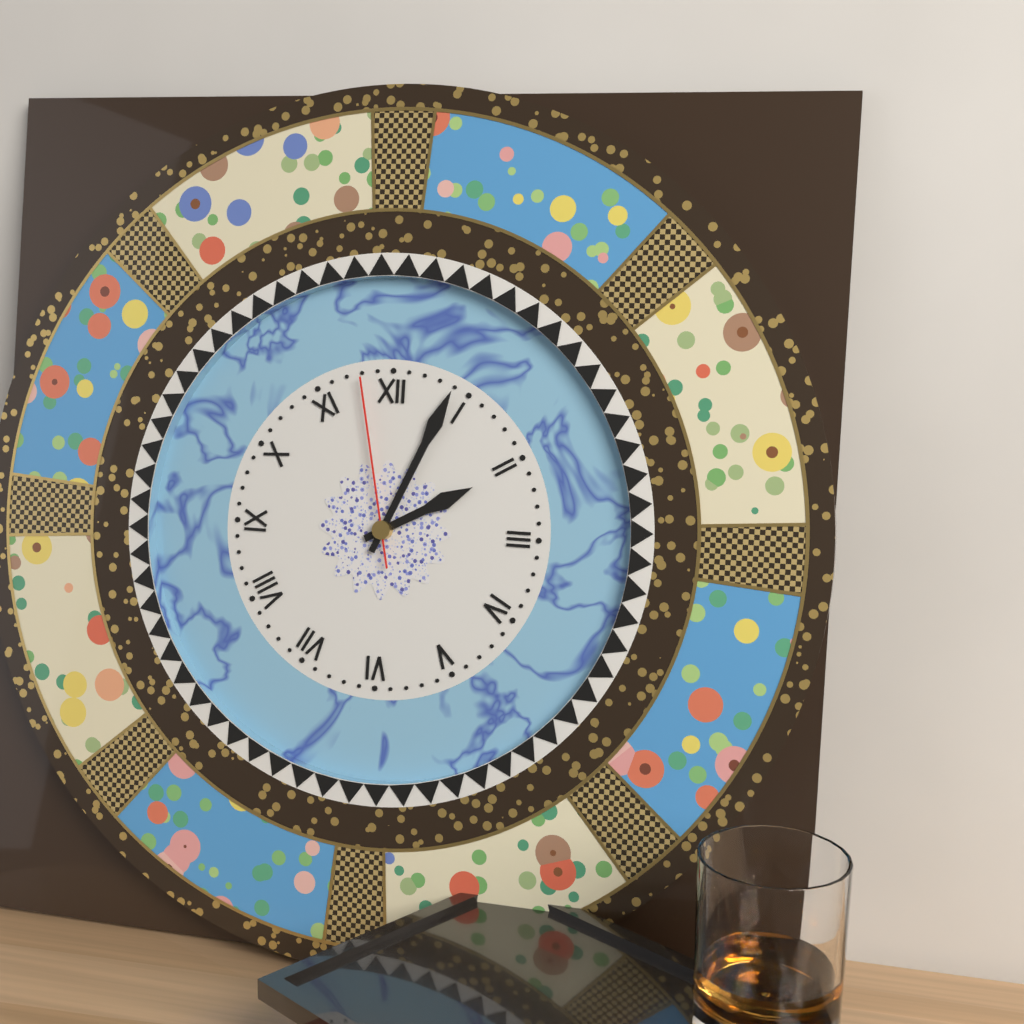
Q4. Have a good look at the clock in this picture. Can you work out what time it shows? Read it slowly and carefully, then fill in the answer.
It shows 2:04:58
